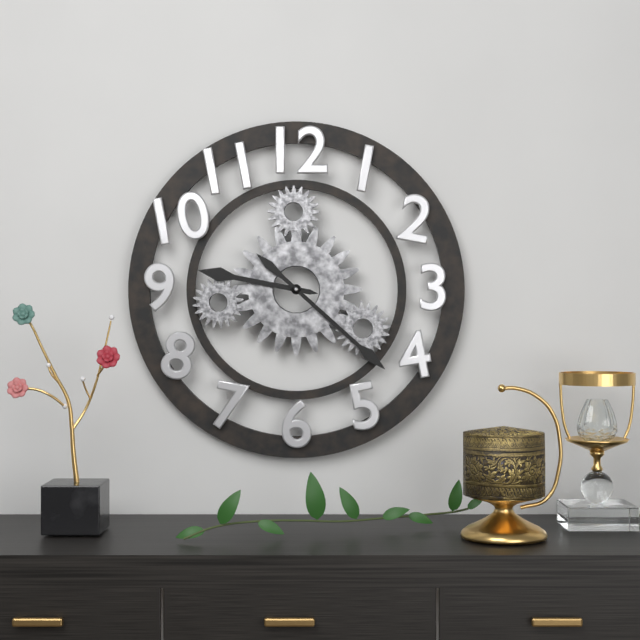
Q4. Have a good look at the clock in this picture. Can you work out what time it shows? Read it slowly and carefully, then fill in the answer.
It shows 9:22
